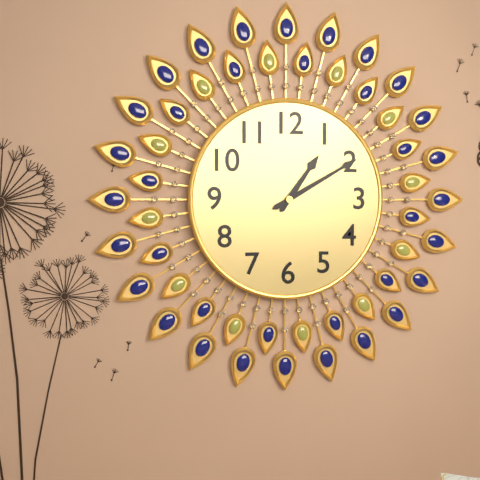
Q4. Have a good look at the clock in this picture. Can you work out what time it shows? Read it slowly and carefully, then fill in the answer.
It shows 1:10
